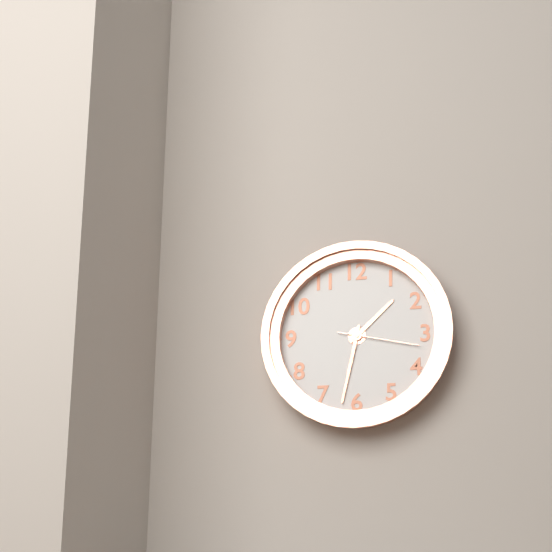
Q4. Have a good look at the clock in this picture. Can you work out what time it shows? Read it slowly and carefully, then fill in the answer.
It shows 1:32:17
